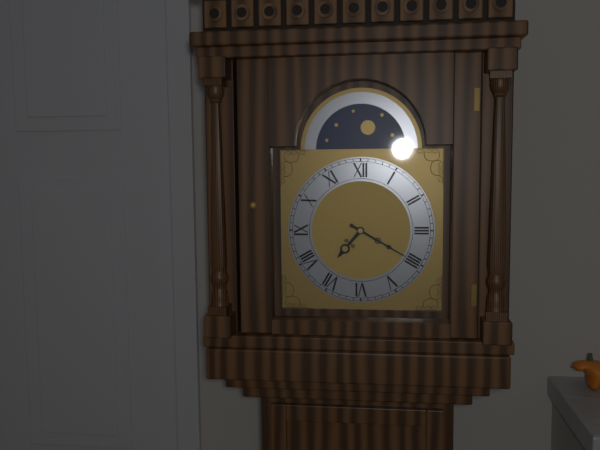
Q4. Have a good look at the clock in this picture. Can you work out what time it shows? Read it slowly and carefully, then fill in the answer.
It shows 7:20
